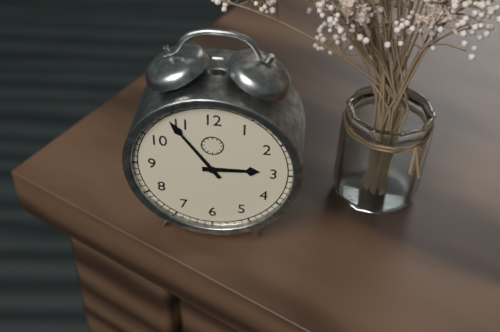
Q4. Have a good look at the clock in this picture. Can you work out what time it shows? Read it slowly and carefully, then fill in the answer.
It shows 2:54
